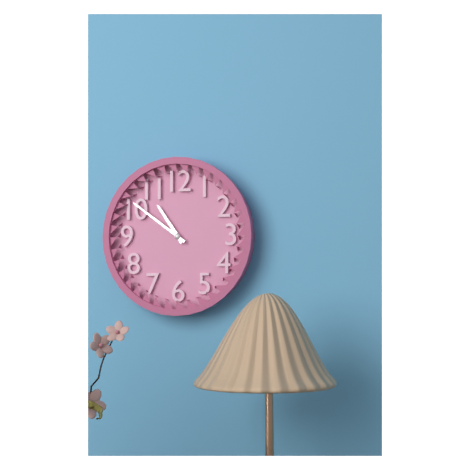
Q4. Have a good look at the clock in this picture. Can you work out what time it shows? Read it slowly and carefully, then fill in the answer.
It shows 10:51
